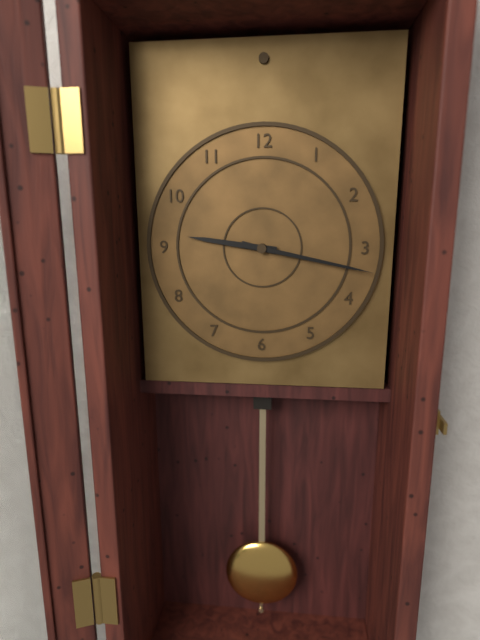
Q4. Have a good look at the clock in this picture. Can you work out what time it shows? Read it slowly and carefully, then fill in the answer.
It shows 9:17
